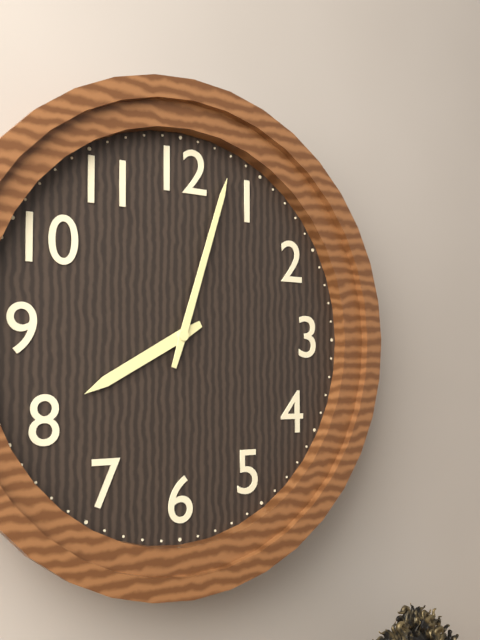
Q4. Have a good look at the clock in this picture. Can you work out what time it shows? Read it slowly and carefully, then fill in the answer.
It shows 8:03
